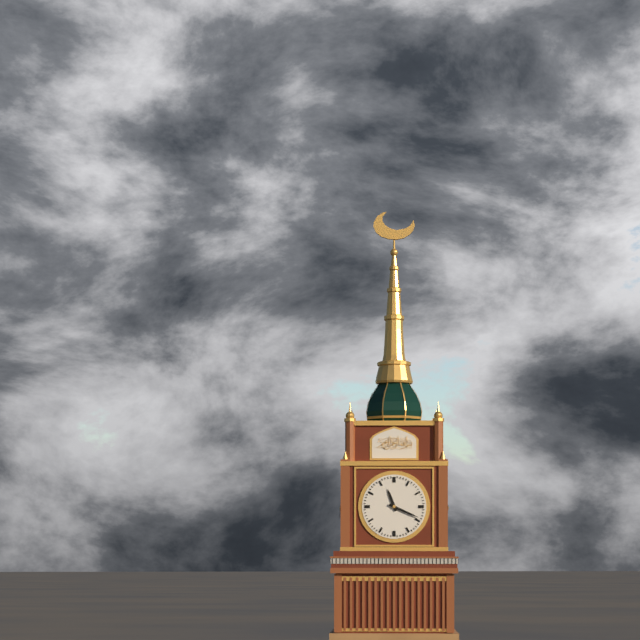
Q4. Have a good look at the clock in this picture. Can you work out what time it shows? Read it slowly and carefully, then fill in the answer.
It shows 11:19
